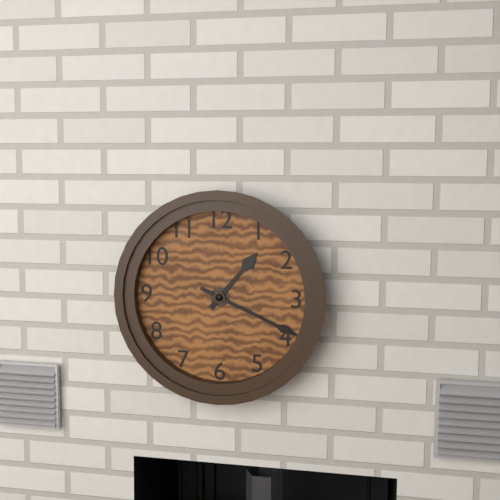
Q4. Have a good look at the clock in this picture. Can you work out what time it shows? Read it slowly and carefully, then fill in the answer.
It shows 1:19
